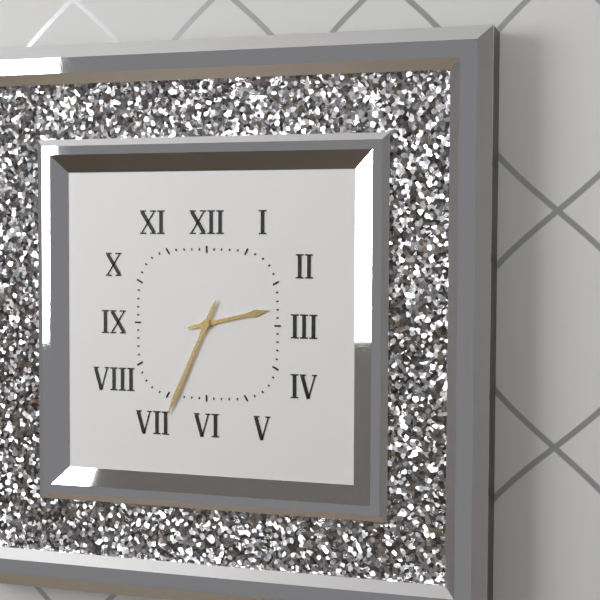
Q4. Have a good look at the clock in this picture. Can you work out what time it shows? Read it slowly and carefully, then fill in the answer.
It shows 2:34
